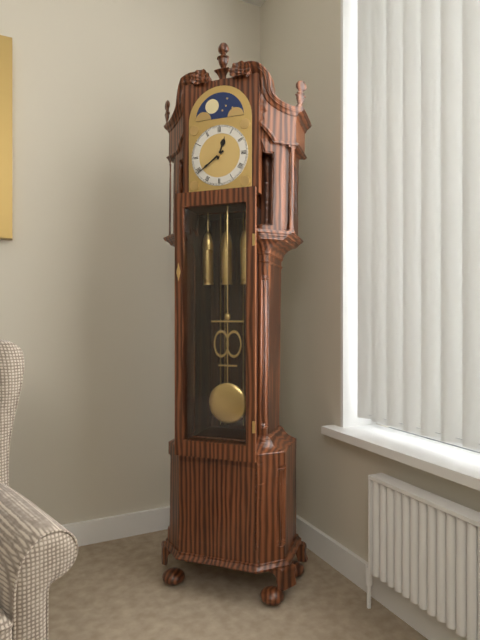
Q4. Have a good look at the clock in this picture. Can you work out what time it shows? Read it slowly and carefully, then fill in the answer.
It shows 12:39
